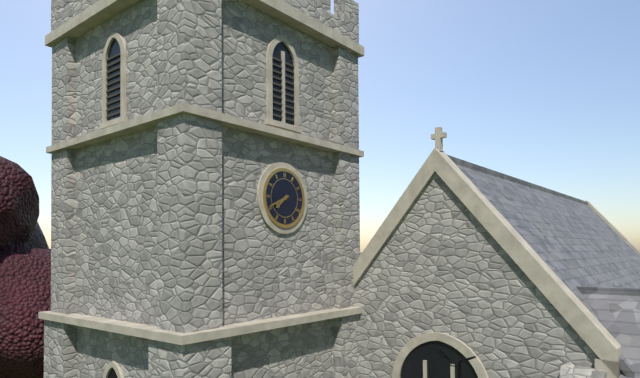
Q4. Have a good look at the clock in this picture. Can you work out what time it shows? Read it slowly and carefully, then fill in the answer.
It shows 7:41
